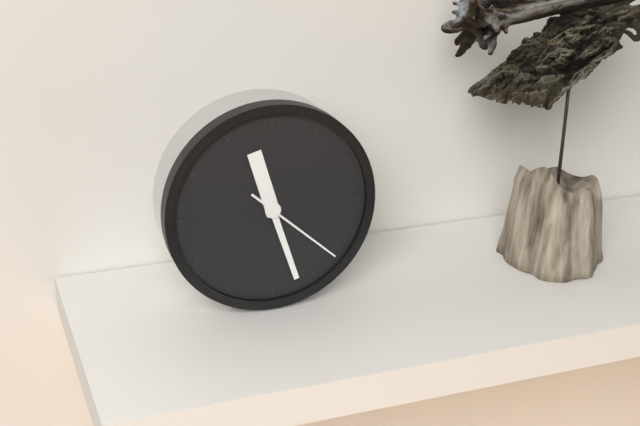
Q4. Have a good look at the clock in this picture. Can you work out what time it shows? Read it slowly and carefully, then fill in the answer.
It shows 11:27:22
